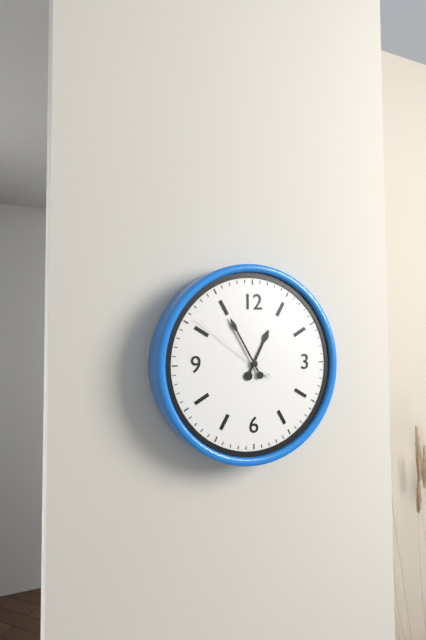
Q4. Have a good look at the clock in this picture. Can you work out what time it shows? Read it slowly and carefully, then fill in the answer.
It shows 12:55:51
